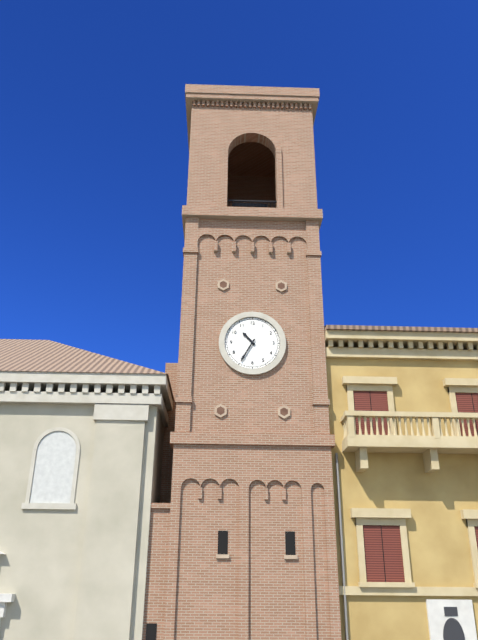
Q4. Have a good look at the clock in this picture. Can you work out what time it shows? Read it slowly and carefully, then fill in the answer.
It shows 10:35
